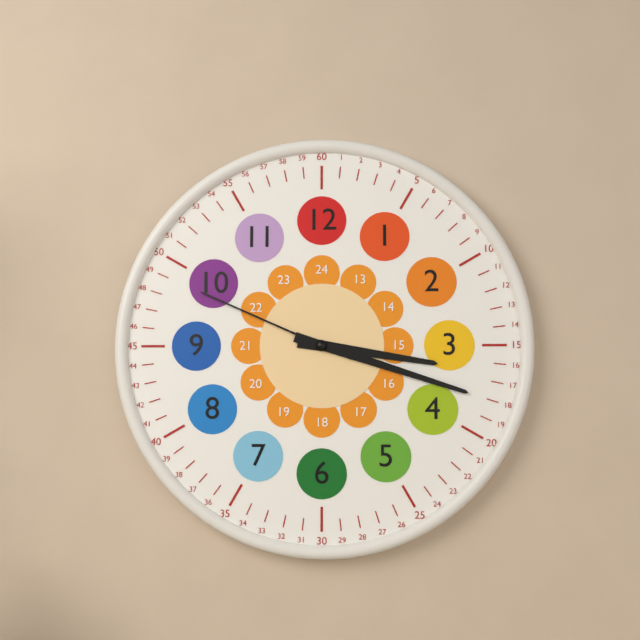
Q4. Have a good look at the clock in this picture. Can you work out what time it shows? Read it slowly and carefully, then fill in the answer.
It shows 3:18:49
